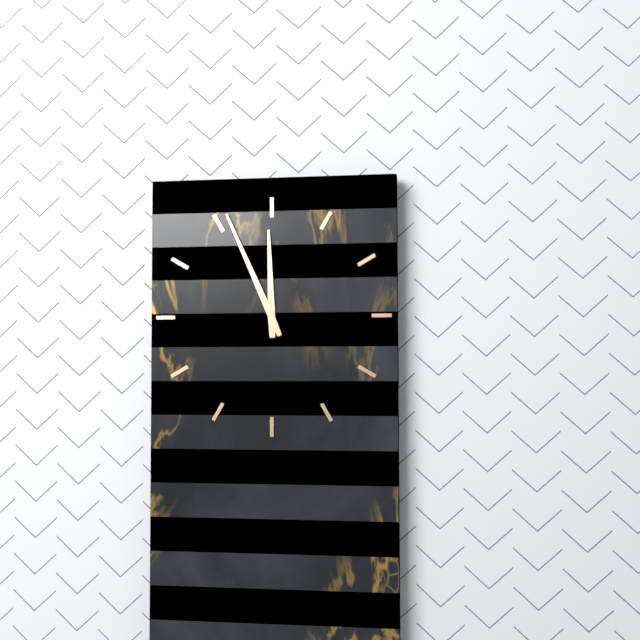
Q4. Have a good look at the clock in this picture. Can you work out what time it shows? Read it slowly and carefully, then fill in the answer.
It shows 11:56
